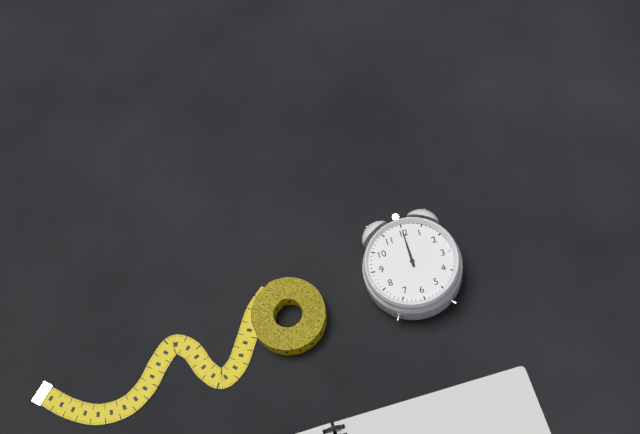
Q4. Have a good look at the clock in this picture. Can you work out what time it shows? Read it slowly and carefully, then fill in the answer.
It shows 12:00
